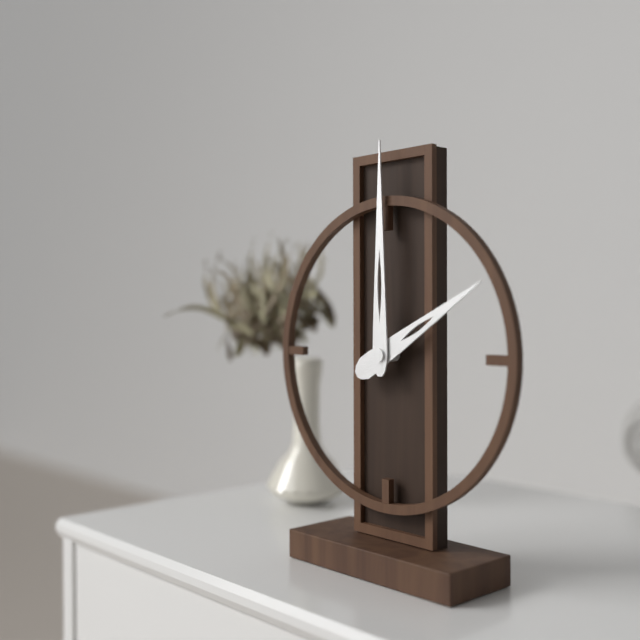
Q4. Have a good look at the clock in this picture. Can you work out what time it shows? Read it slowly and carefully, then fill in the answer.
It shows 2:00
